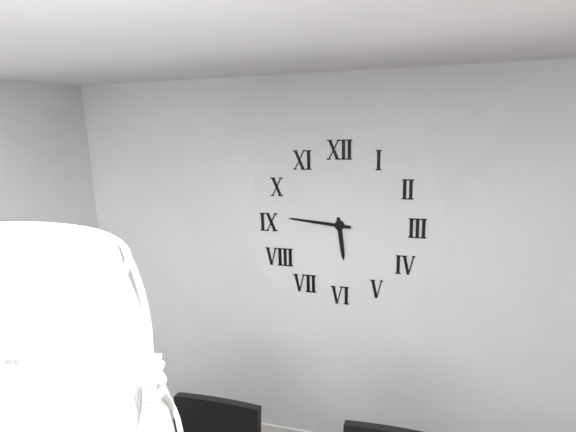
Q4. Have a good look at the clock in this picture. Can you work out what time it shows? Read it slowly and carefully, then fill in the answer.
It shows 5:46
